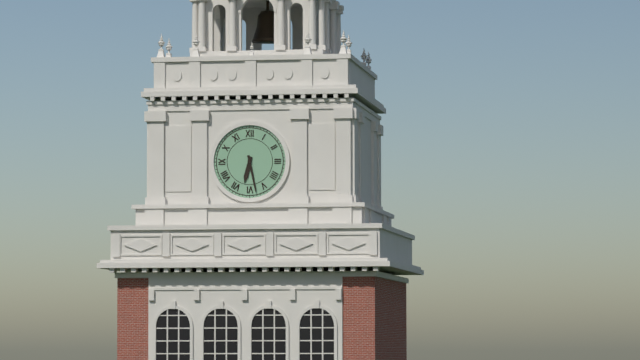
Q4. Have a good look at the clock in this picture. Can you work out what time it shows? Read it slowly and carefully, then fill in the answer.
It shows 6:28
